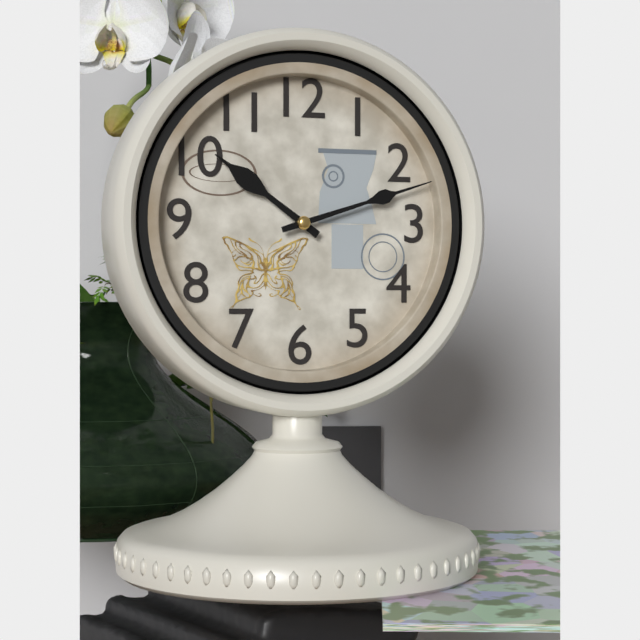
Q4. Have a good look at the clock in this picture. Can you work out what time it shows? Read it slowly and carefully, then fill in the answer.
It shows 10:12
